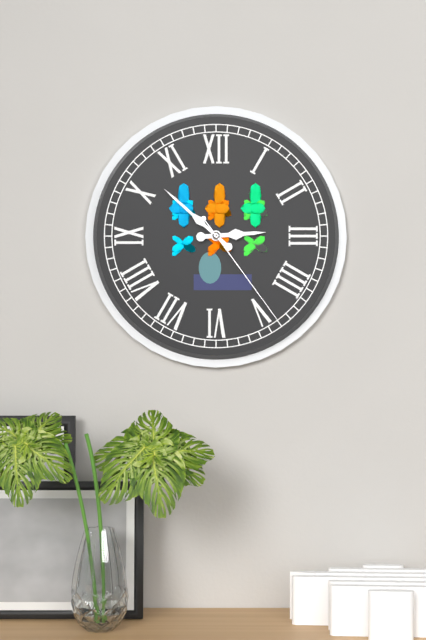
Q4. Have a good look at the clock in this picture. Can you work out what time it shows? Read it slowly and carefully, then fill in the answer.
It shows 2:52:24
